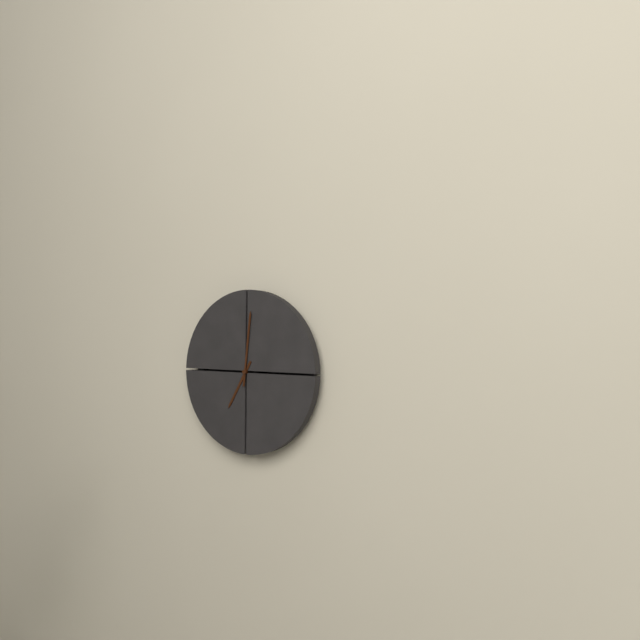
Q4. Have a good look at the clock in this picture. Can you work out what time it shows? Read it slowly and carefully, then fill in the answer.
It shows 7:01
